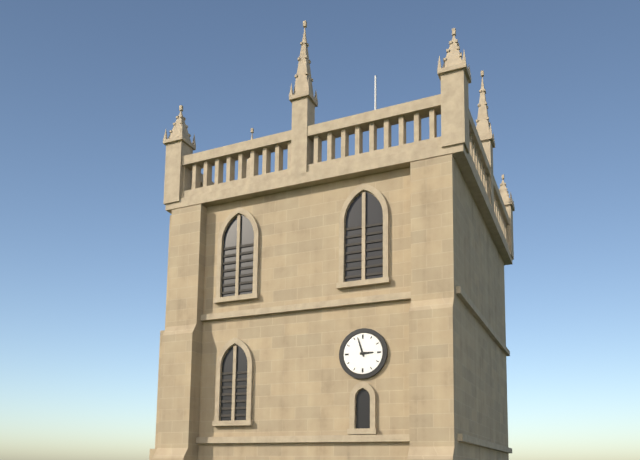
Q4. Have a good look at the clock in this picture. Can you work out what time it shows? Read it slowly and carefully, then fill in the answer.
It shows 2:57
